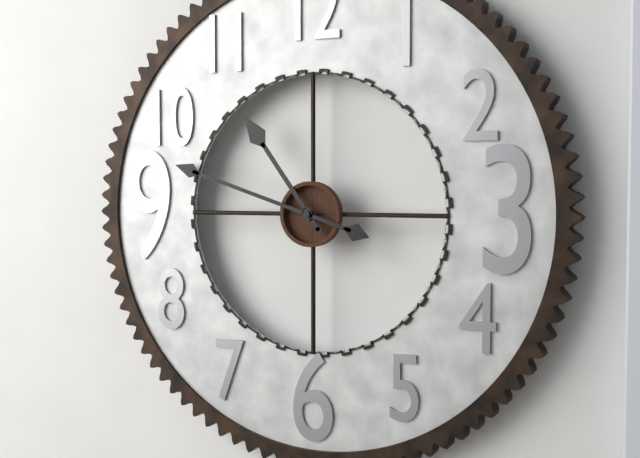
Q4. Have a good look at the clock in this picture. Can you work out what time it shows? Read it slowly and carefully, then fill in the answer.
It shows 10:48
